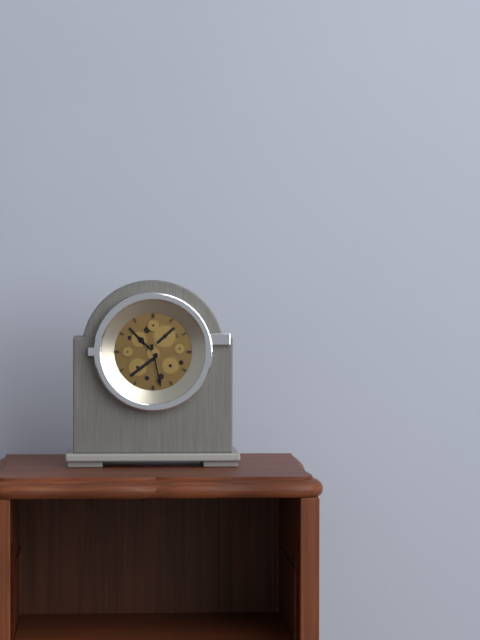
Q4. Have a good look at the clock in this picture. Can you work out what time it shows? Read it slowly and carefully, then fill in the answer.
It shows 10:28
